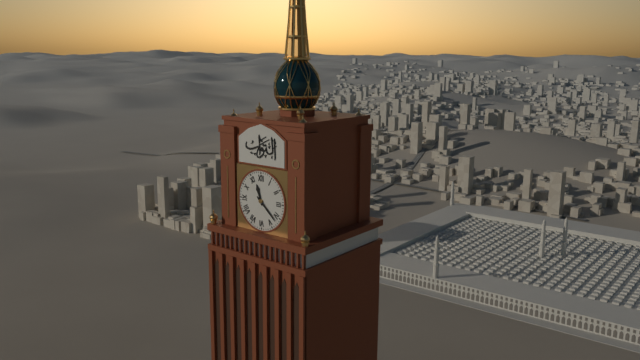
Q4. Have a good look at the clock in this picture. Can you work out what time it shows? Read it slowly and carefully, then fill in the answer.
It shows 11:22
